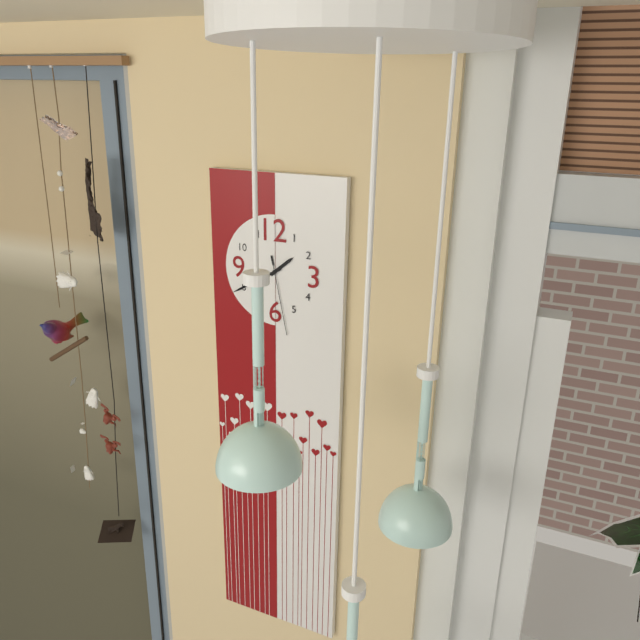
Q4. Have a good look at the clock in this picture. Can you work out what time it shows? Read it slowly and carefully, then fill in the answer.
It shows 1:40:28
